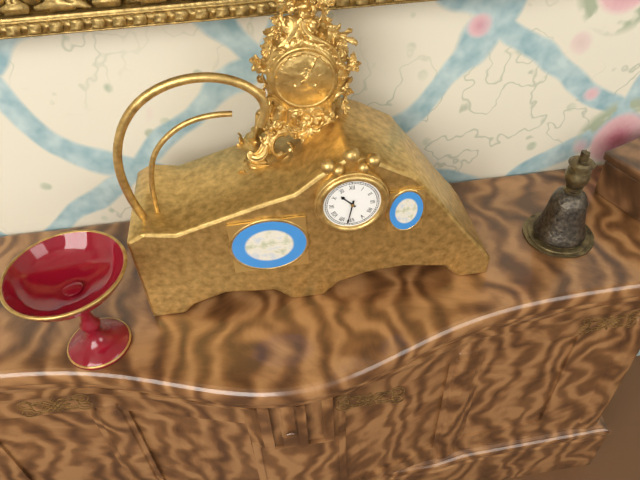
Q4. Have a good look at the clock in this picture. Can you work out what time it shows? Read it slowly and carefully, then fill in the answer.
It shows 10:32
